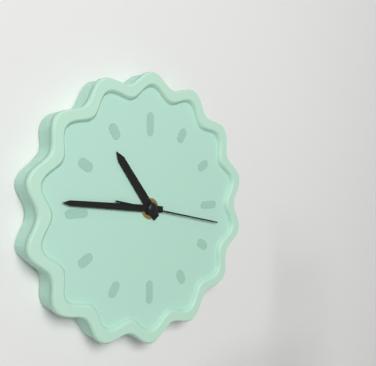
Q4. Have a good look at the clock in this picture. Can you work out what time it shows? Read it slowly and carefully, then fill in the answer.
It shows 10:46:17
